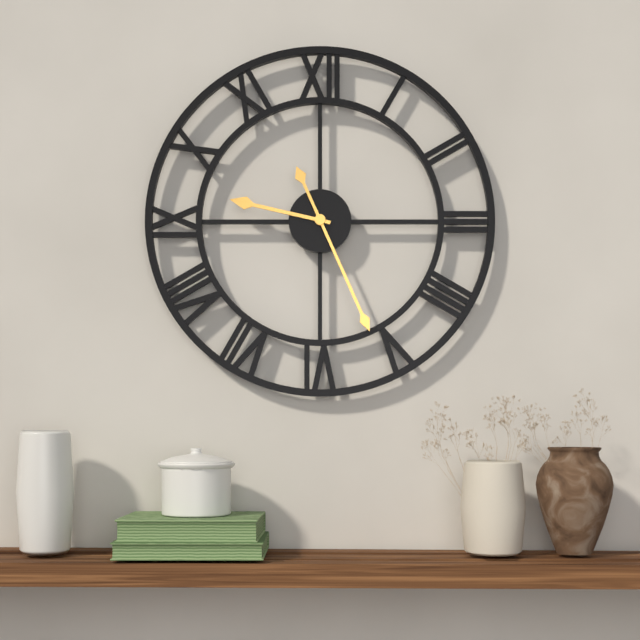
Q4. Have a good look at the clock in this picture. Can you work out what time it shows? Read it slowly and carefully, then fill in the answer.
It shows 9:26
